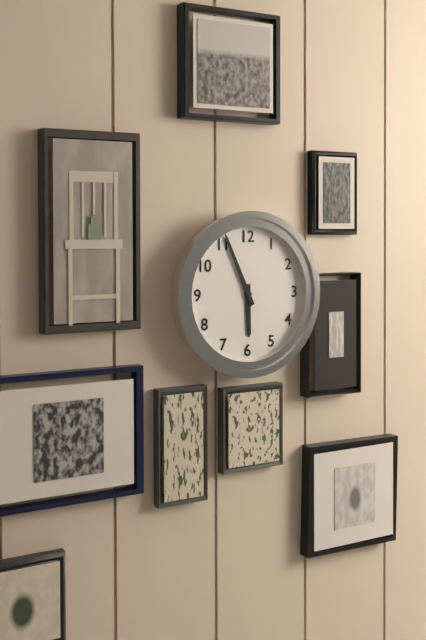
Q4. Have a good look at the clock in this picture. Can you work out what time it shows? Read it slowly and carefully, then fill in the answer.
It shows 5:56
